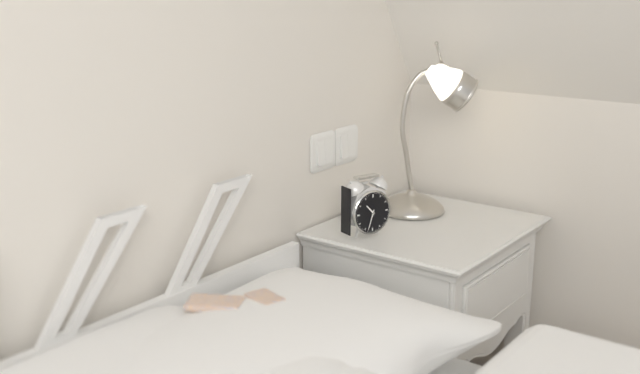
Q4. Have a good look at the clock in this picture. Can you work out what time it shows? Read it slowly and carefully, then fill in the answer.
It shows 10:33
